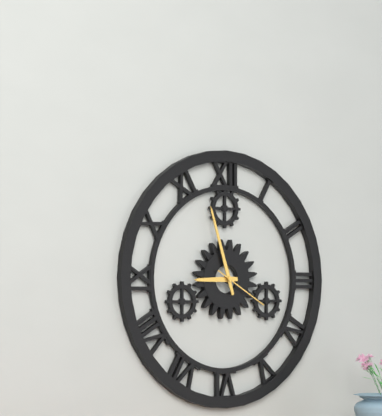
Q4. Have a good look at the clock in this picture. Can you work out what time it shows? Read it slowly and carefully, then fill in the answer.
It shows 8:57:20
